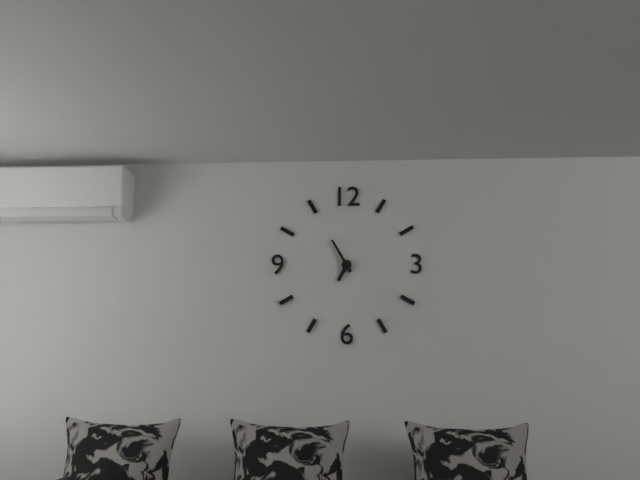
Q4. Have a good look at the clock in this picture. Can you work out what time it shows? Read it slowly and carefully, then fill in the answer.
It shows 6:55
